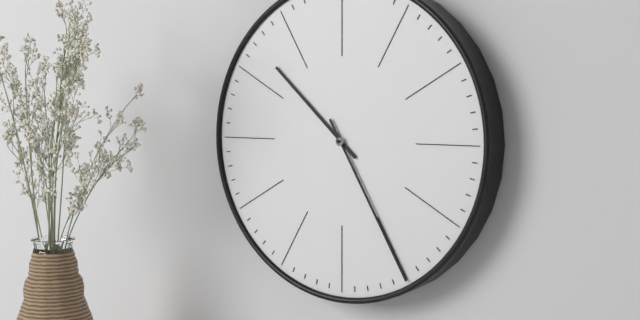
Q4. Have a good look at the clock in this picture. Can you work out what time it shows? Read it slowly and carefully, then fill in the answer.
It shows 10:25
